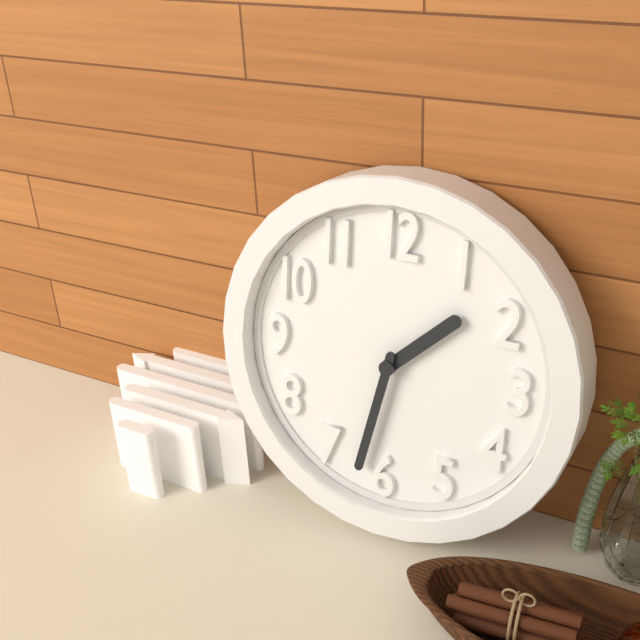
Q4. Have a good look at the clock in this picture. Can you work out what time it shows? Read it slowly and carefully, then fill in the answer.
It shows 1:32
